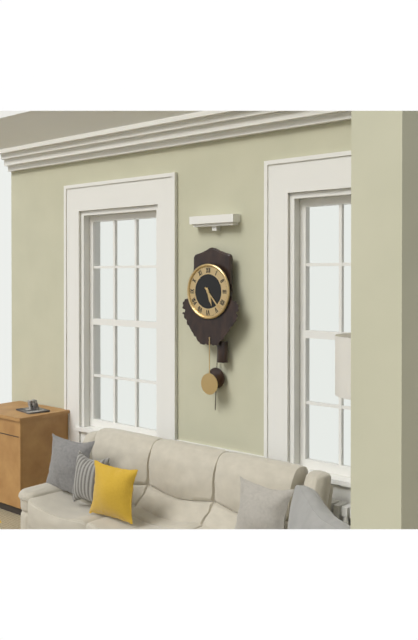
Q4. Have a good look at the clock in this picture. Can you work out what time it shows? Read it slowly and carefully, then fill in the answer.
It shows 5:23
